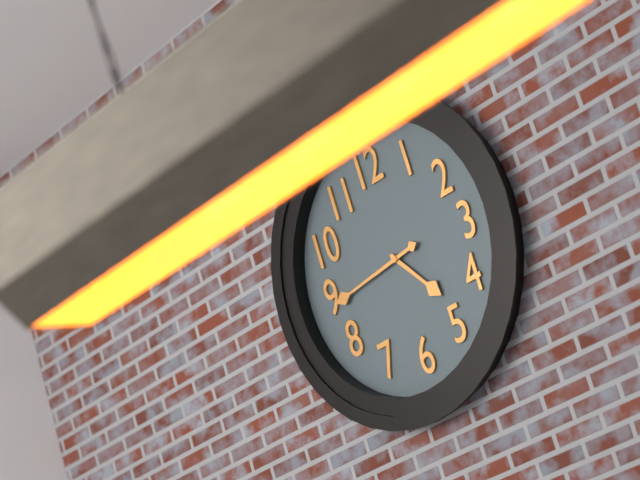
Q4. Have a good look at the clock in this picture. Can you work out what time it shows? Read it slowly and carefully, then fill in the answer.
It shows 4:44
